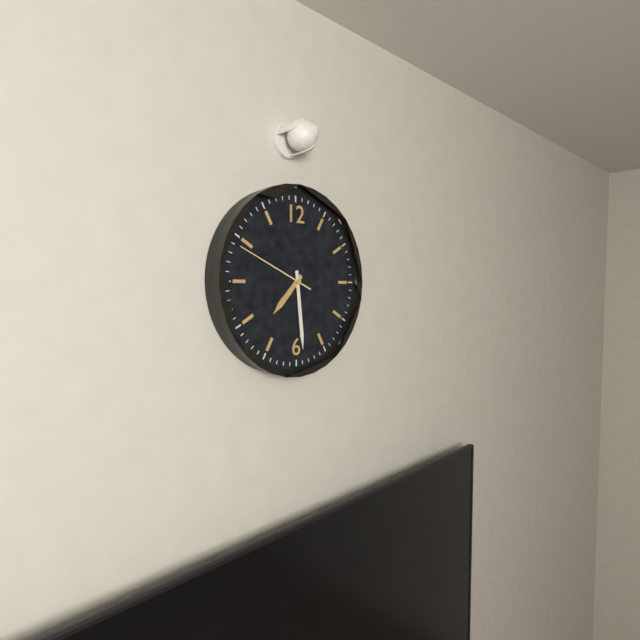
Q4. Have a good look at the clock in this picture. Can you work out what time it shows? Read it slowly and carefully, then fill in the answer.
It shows 7:29:49
